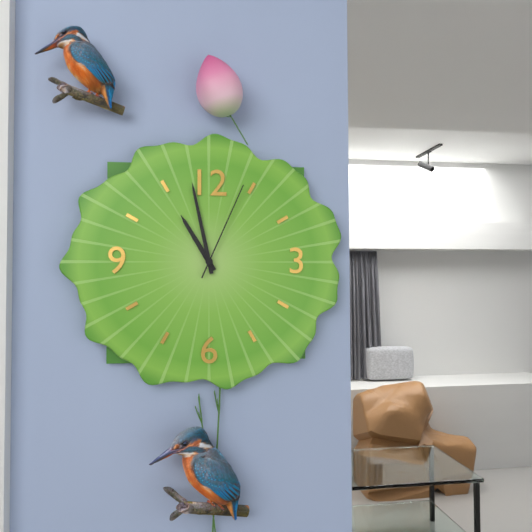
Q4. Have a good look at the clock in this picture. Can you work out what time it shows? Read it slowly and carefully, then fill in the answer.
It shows 10:58:04
